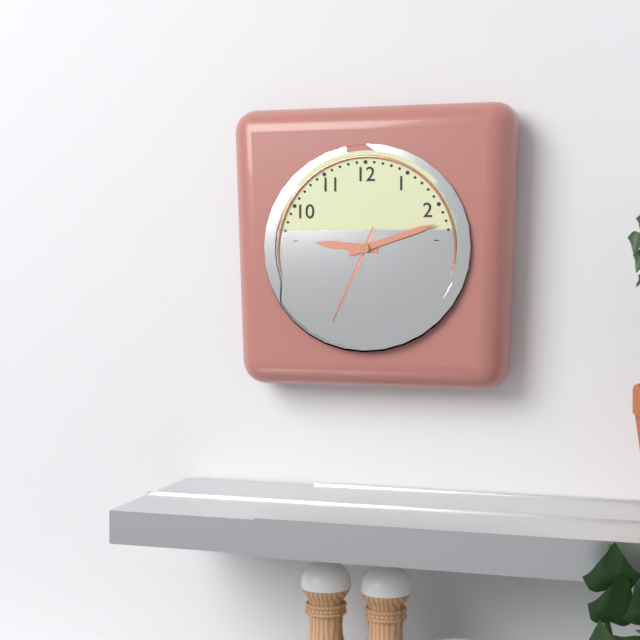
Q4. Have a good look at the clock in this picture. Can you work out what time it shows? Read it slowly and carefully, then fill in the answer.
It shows 9:12:34
